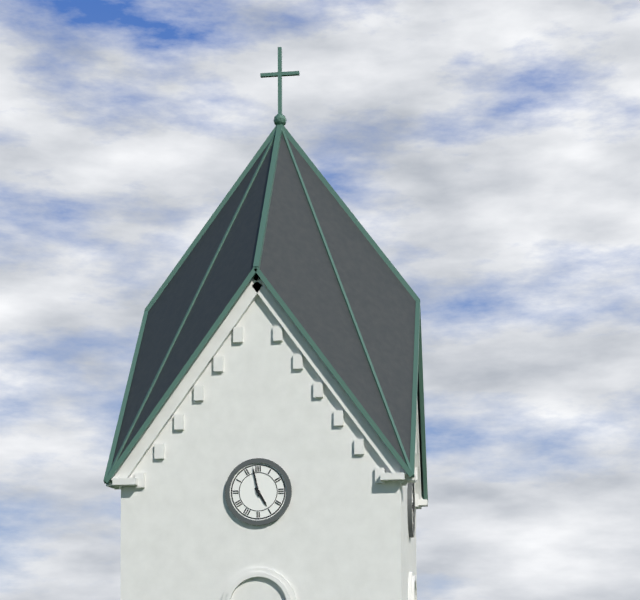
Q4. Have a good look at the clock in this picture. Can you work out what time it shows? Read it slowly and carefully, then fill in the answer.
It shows 4:58
